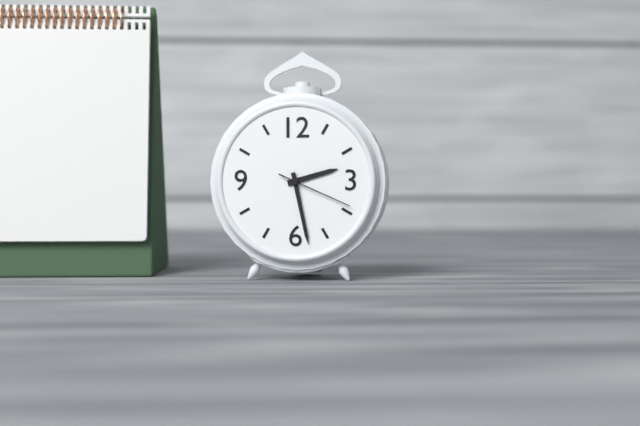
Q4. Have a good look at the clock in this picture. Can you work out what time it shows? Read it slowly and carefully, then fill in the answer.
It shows 2:28:19
